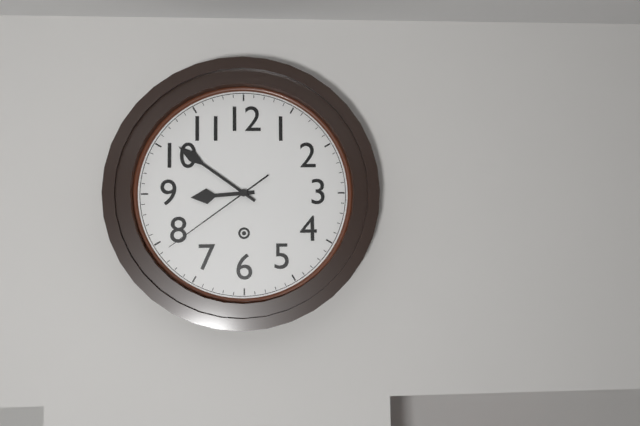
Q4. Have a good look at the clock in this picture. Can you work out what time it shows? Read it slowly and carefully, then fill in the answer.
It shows 8:51:39
